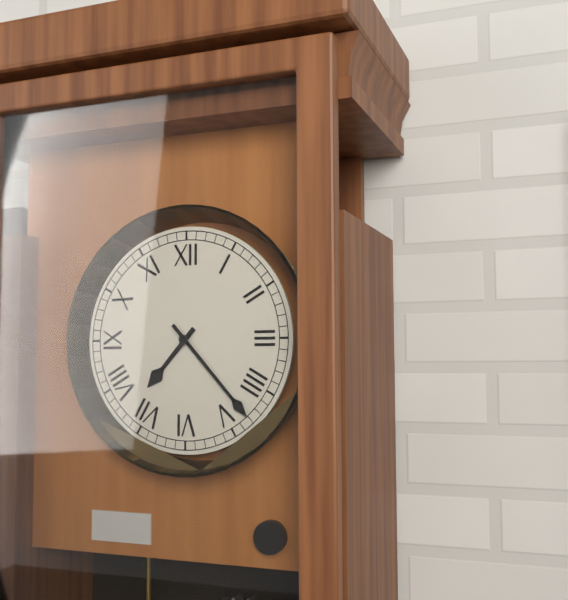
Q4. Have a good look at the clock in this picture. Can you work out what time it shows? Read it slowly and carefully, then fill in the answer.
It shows 7:23
